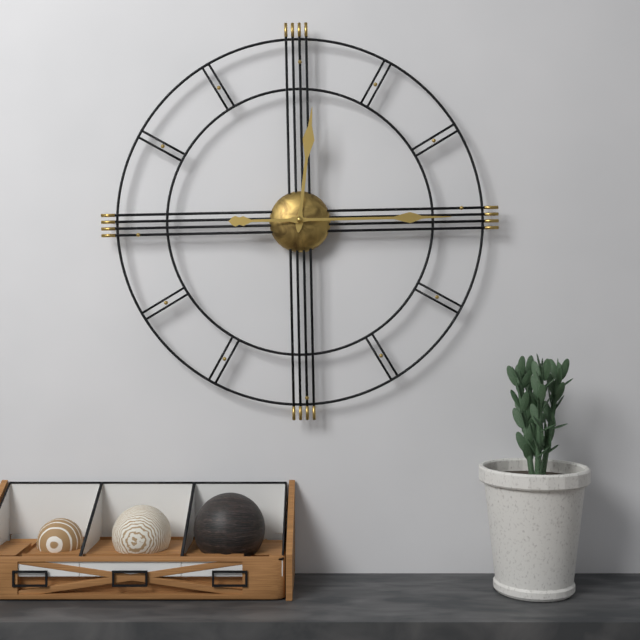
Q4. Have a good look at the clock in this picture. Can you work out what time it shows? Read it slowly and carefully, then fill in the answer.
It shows 12:15
